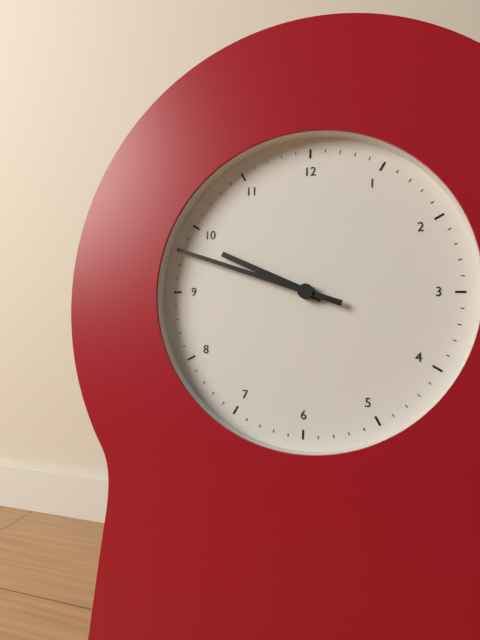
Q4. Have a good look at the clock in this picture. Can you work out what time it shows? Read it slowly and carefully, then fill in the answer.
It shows 9:48
